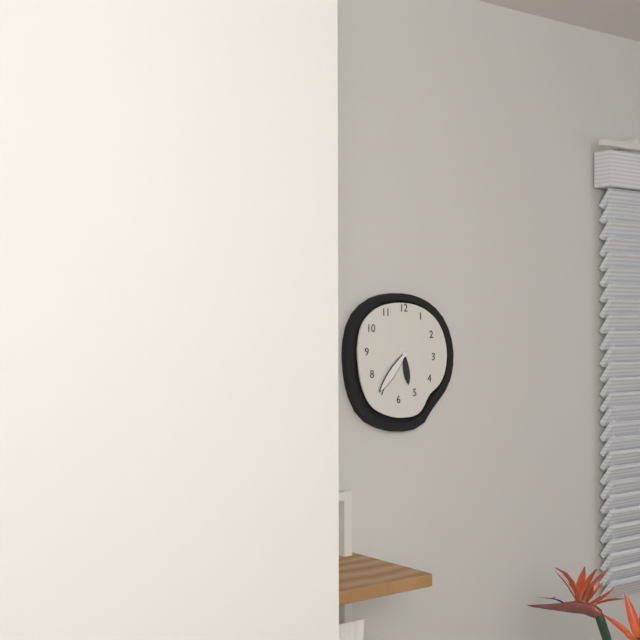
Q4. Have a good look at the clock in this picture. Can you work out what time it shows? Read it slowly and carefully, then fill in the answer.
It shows 5:37
